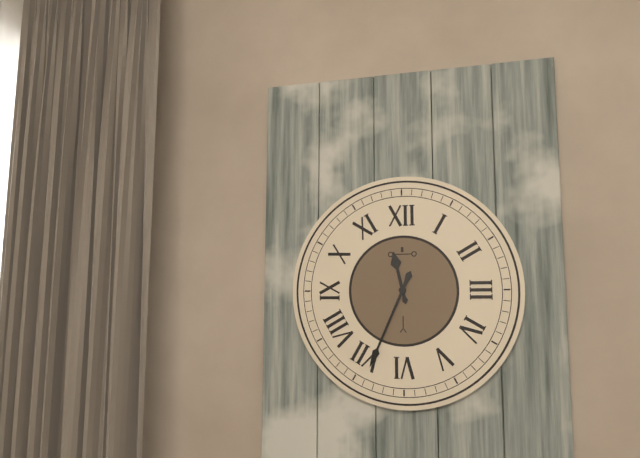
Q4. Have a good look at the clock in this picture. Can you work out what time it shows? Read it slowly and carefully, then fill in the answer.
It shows 11:34
